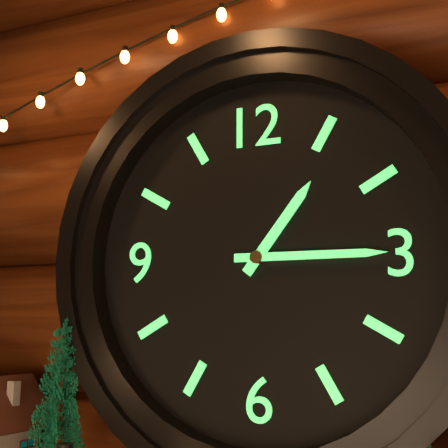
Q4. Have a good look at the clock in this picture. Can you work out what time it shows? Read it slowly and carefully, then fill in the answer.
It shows 1:15
